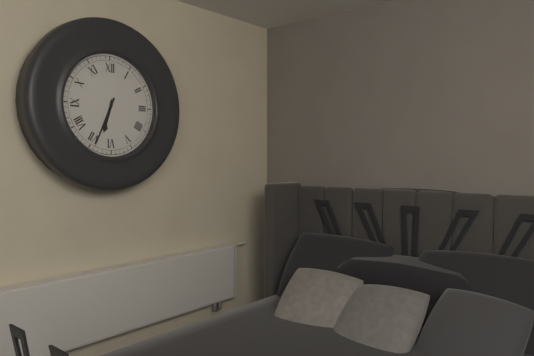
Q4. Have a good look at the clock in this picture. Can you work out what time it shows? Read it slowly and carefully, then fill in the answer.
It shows 6:34
